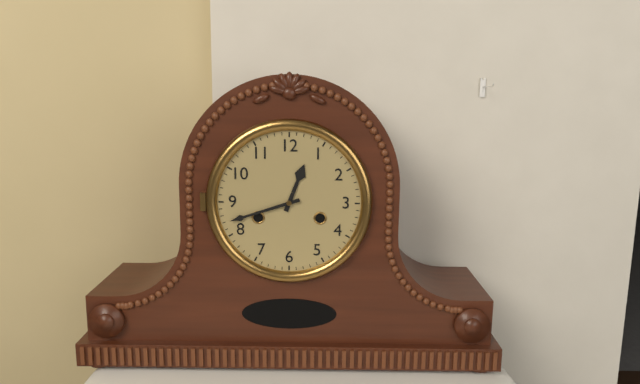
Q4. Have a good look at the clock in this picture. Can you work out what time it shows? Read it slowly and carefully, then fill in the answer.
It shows 12:42
